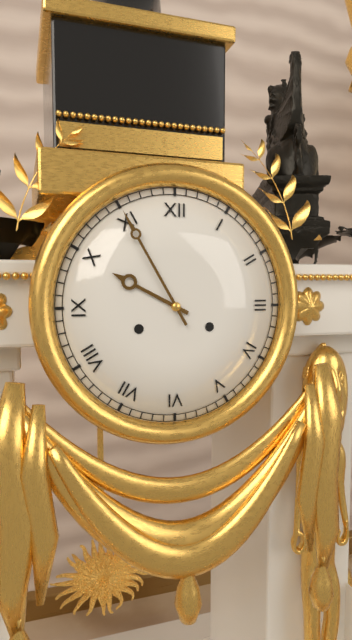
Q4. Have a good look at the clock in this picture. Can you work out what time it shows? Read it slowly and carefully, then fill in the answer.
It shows 9:55
